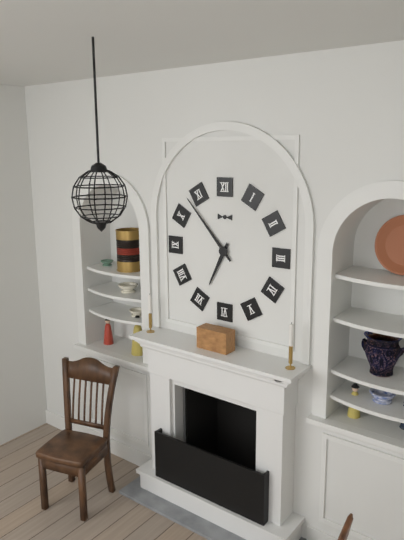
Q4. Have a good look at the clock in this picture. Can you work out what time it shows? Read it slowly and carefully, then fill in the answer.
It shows 6:53
